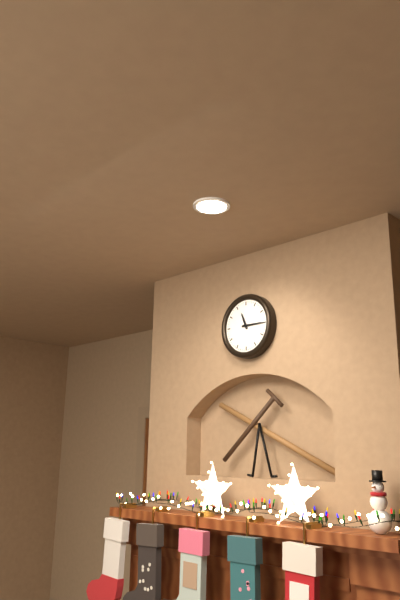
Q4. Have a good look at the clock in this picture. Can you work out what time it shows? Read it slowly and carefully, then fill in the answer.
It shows 11:15
